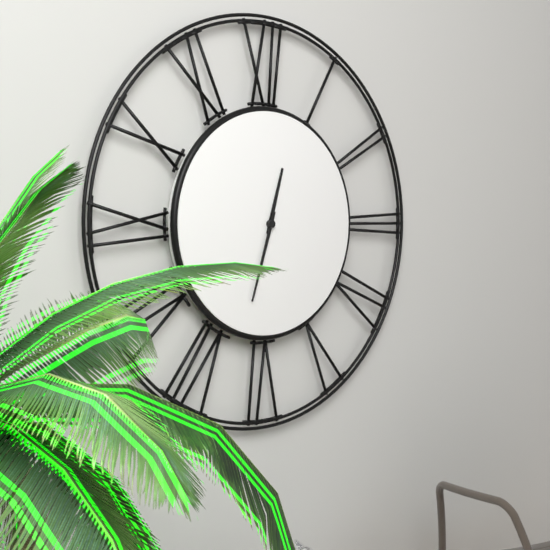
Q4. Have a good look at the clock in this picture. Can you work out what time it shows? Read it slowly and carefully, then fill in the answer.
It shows 12:33
